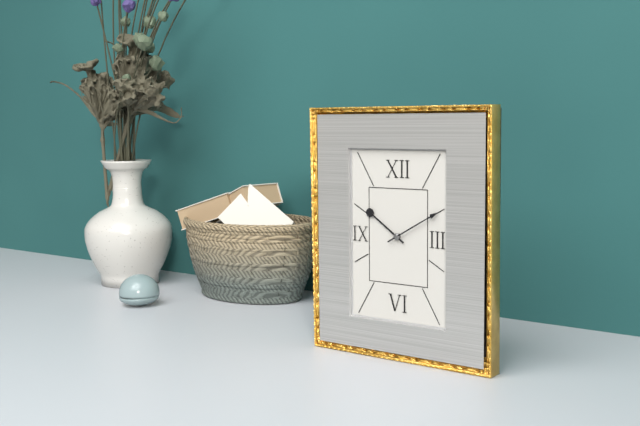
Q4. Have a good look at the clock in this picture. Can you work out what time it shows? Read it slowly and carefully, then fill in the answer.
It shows 10:10
